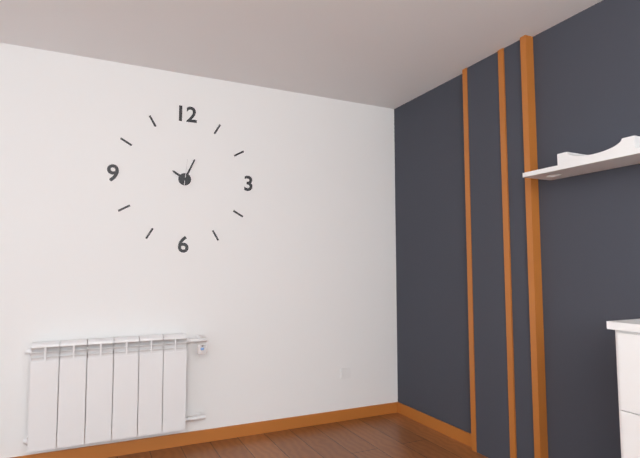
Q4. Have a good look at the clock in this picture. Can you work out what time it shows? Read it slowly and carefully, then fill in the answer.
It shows 10:04
